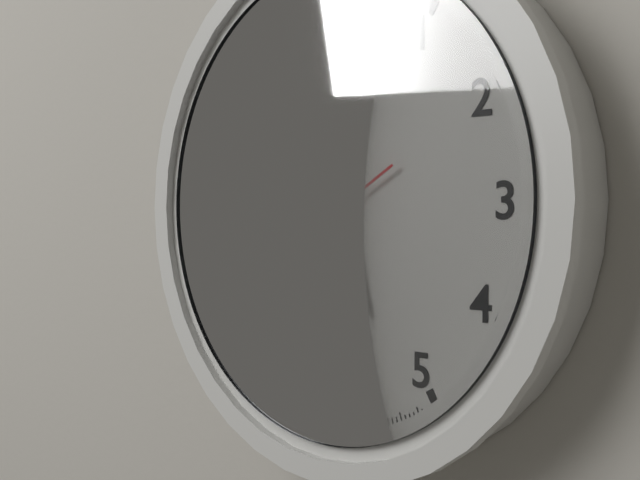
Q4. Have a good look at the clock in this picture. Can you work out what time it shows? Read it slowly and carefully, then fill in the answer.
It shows 5:32:40
